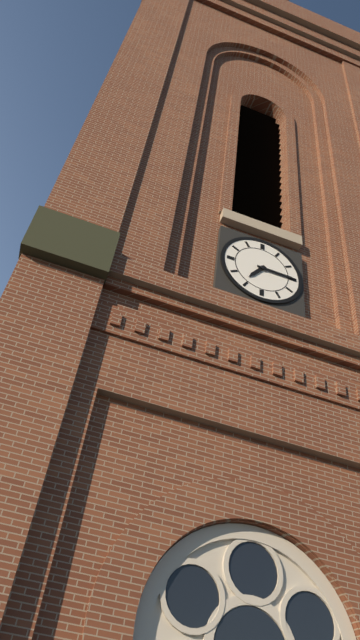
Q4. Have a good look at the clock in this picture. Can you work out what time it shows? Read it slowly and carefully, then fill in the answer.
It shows 7:15
